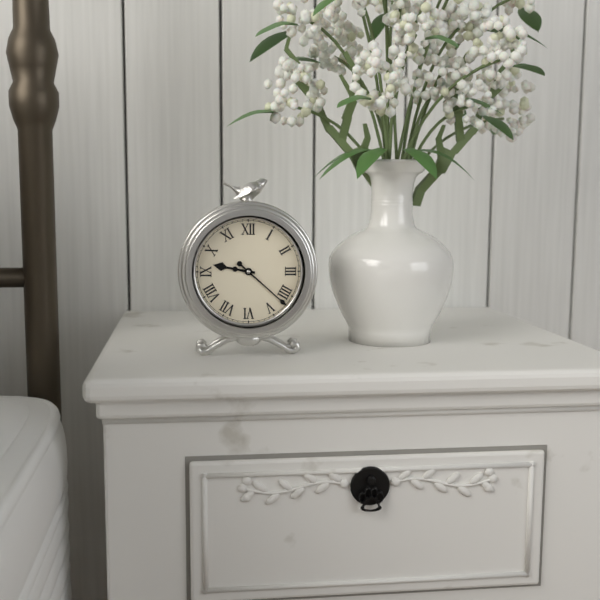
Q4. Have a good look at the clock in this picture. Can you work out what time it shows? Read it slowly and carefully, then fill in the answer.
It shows 9:22
